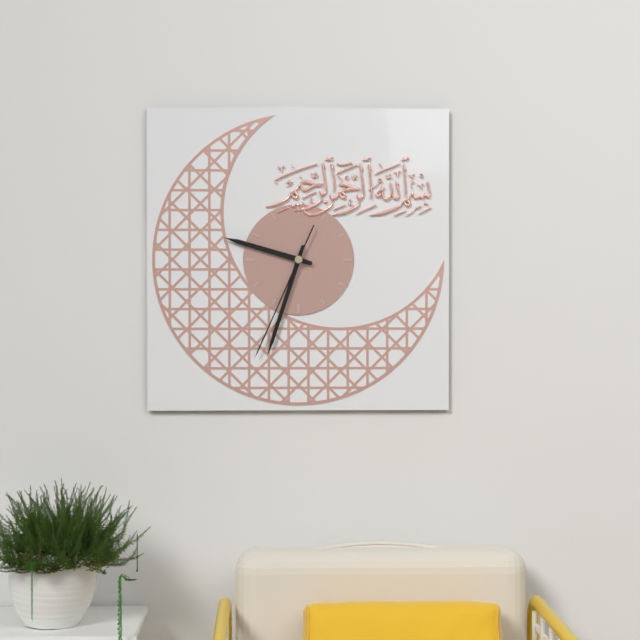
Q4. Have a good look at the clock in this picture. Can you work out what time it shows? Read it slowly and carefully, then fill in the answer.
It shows 9:33:34
